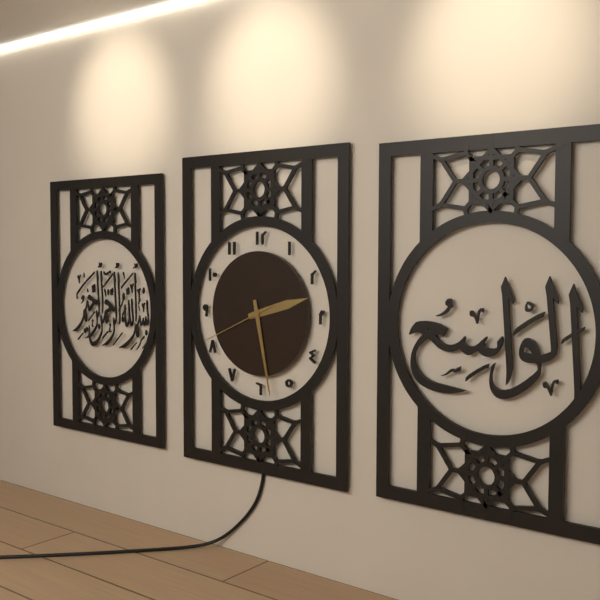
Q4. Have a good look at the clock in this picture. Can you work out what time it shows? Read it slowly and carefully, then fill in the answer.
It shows 2:28:41
